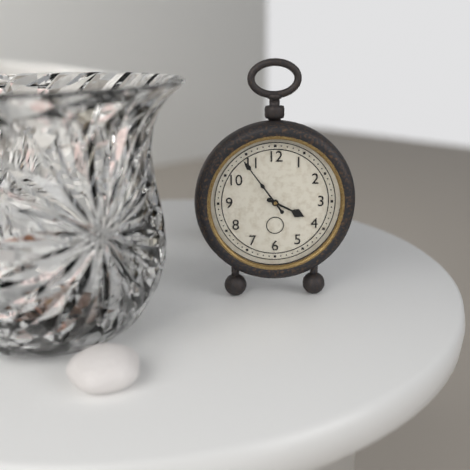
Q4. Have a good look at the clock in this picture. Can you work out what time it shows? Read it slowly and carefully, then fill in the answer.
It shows 3:54
